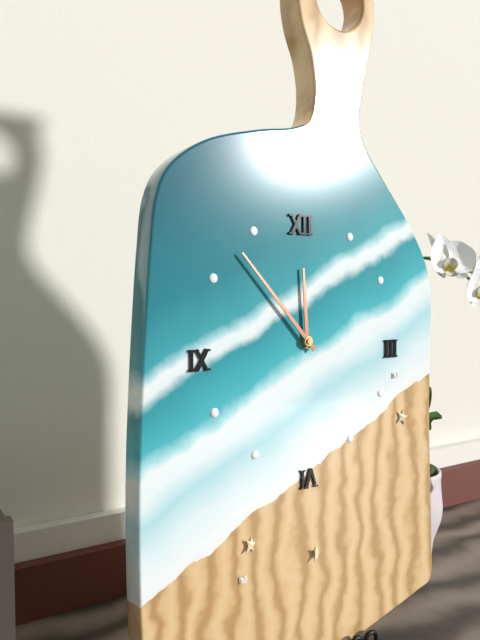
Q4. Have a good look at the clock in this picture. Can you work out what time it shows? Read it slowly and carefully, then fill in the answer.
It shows 11:53
